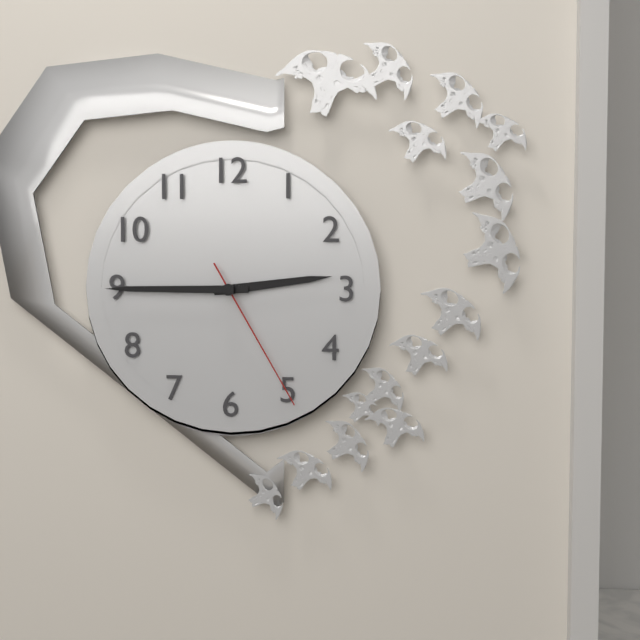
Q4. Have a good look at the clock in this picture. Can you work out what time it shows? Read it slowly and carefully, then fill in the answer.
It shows 2:45:25
